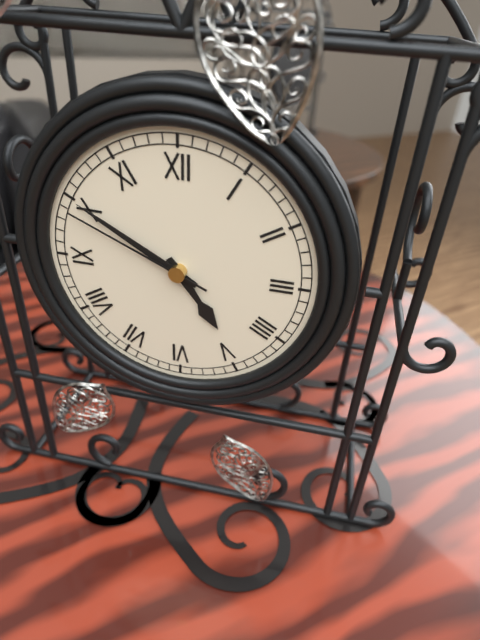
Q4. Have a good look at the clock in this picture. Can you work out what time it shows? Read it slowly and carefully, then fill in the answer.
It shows 4:50:49
